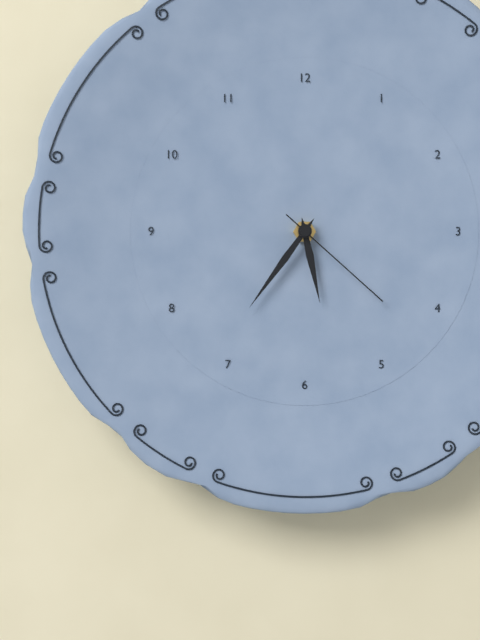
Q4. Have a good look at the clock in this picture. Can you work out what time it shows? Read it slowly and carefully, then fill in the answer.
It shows 5:36:22
